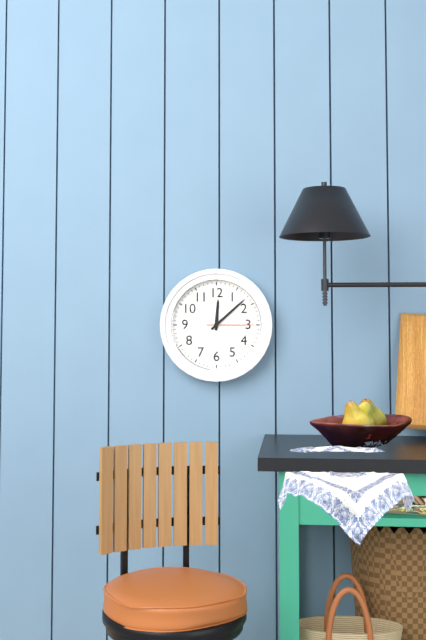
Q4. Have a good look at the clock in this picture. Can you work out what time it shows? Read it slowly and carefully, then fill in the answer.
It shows 12:08:15
